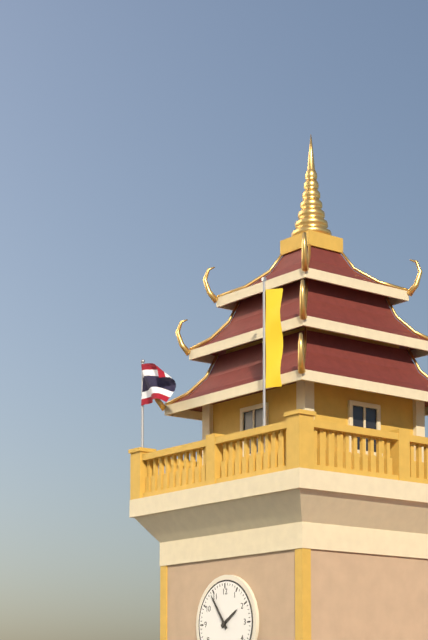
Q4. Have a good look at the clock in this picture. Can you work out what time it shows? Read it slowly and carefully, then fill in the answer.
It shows 1:54
